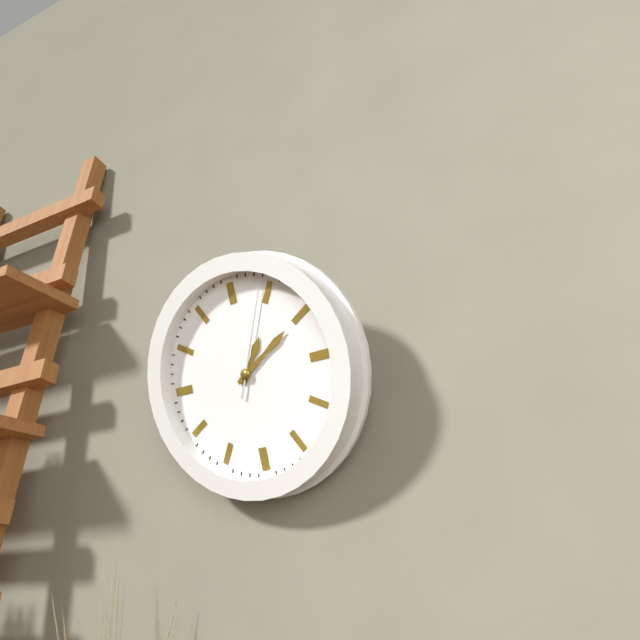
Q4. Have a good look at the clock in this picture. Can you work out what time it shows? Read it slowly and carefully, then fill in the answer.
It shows 1:10:04
